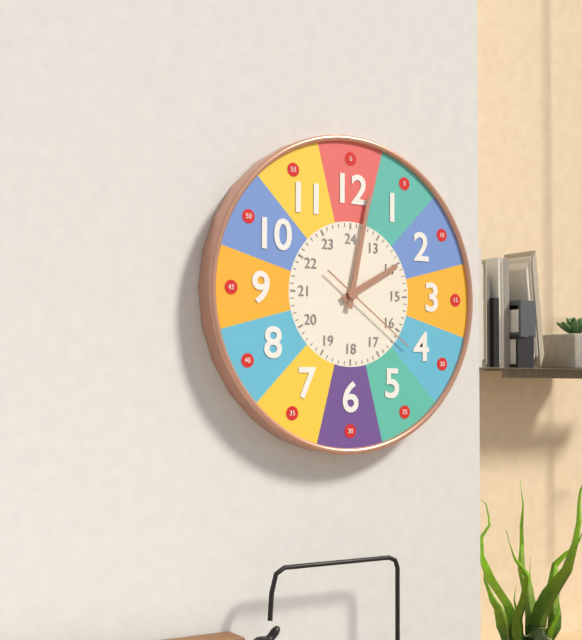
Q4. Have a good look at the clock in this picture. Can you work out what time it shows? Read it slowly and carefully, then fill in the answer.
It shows 2:02:21
